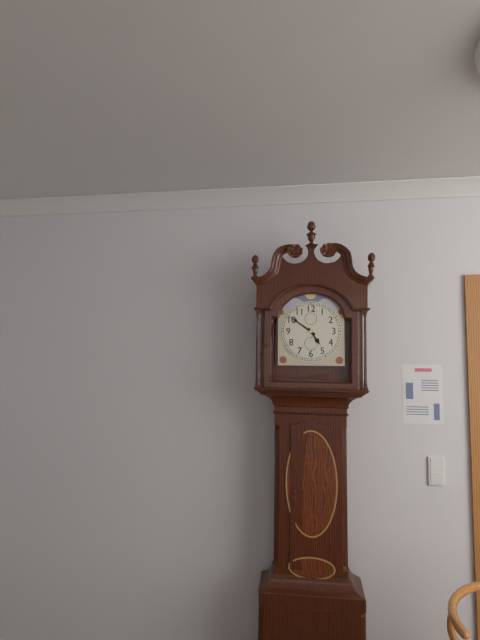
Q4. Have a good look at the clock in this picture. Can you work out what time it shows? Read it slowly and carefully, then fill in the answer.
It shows 4:51
